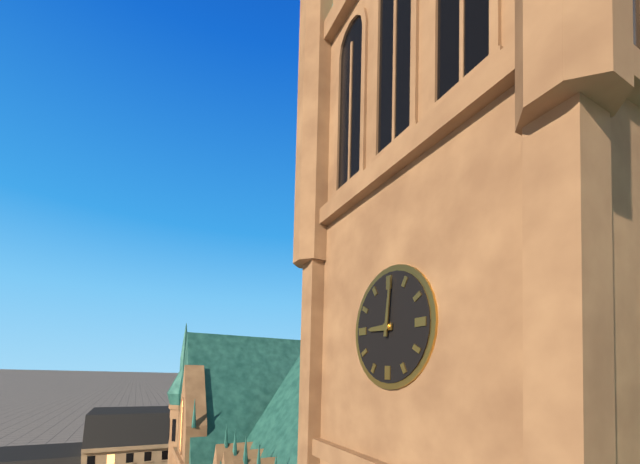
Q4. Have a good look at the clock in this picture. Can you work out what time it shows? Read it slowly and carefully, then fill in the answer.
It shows 9:01
